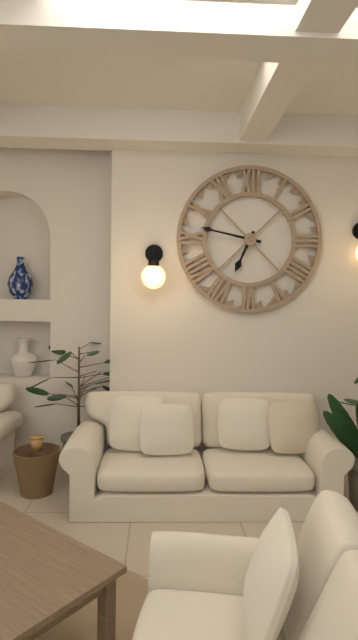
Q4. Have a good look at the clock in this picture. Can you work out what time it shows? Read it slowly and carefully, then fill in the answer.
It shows 6:47
